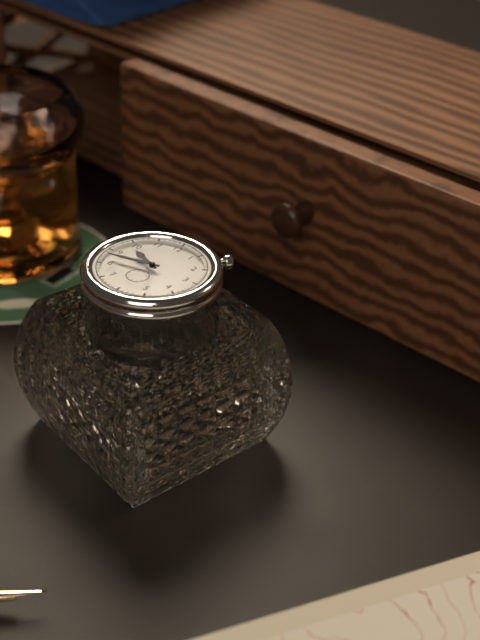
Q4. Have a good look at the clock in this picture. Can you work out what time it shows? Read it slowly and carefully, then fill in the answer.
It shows 9:43
